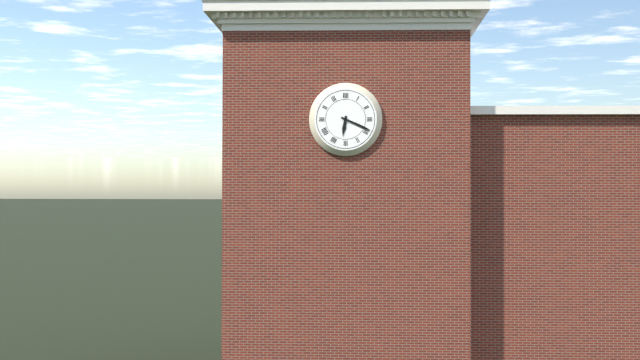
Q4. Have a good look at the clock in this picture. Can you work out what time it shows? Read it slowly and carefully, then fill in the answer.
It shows 6:19
